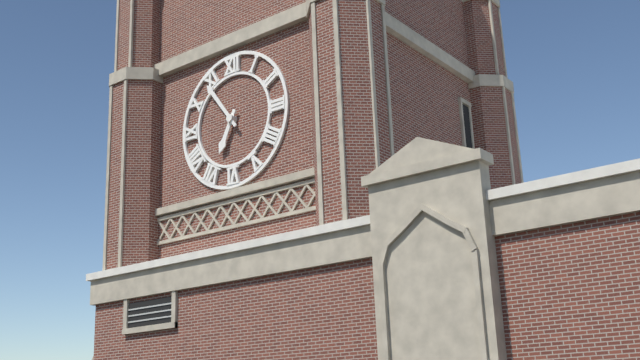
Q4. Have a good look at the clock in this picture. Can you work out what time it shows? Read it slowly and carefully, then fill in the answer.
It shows 6:54
